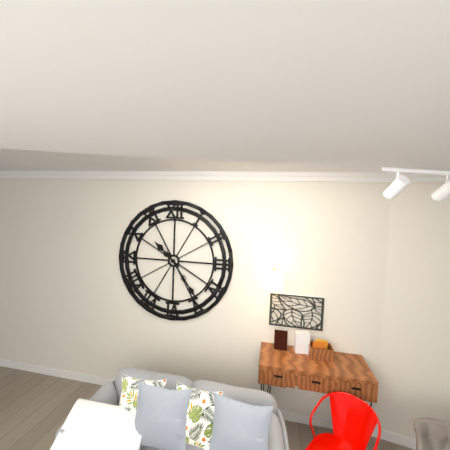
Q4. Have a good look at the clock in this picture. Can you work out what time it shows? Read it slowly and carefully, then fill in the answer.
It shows 10:24
